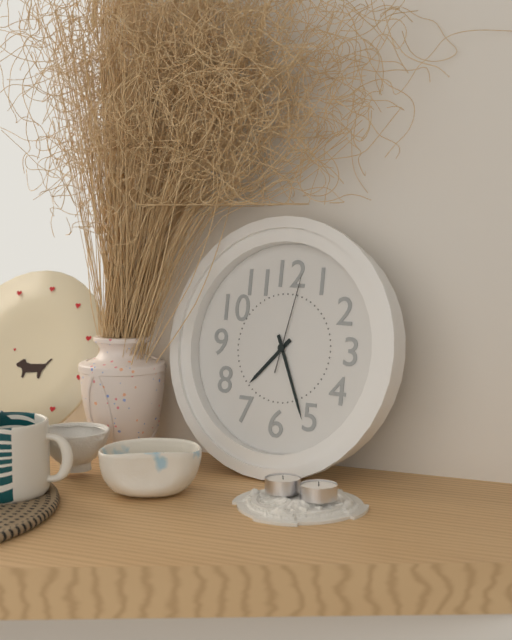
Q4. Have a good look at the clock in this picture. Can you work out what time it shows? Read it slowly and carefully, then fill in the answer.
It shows 7:26:02
